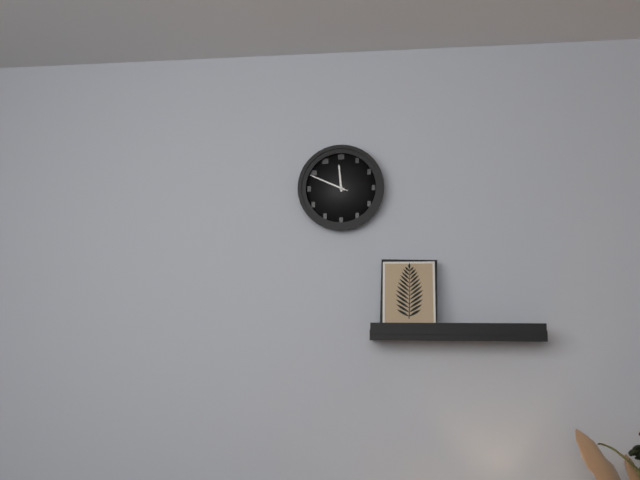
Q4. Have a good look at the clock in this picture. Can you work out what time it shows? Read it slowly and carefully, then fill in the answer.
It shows 11:49
